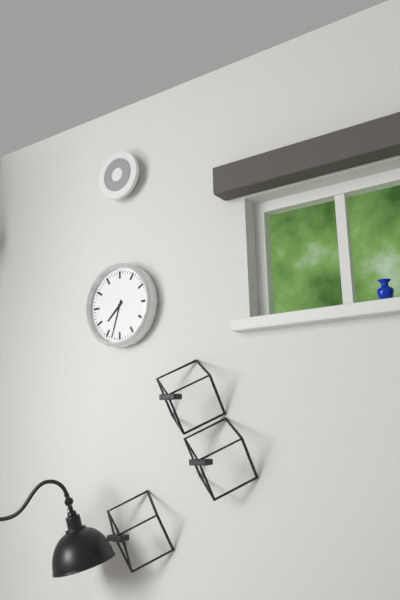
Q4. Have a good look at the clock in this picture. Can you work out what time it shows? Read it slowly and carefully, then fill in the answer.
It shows 7:33
